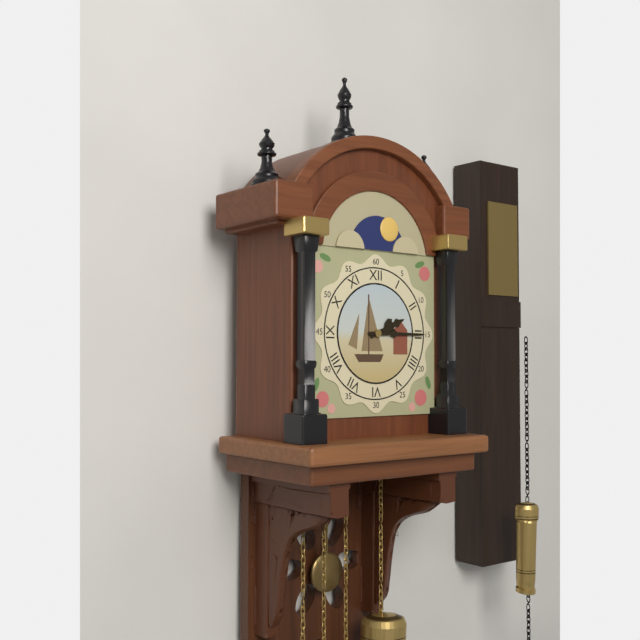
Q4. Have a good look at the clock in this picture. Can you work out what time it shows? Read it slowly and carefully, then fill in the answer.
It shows 2:15
